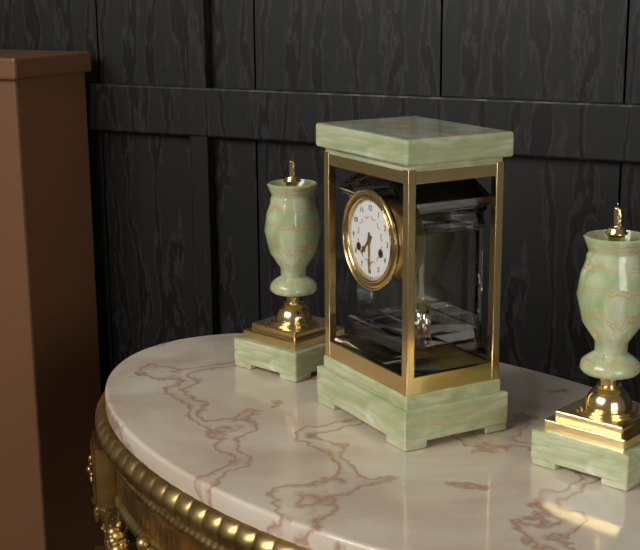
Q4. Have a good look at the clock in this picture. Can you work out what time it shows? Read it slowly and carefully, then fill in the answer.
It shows 7:30
